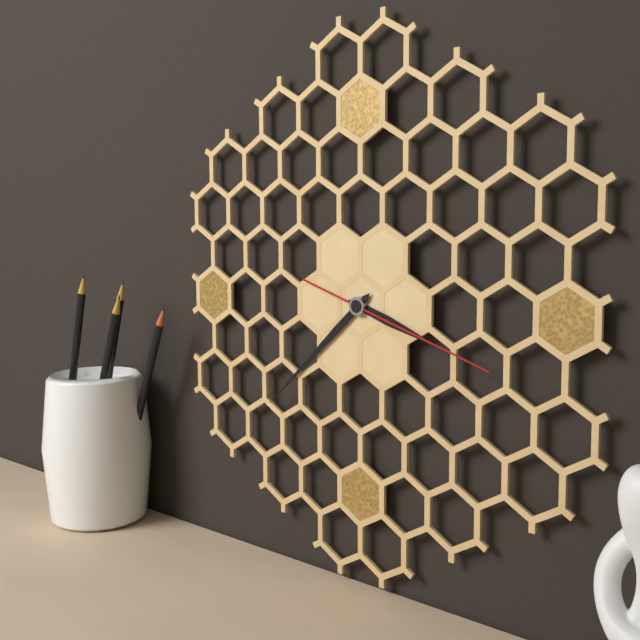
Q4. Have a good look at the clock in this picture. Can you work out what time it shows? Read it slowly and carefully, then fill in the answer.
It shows 3:38:18
